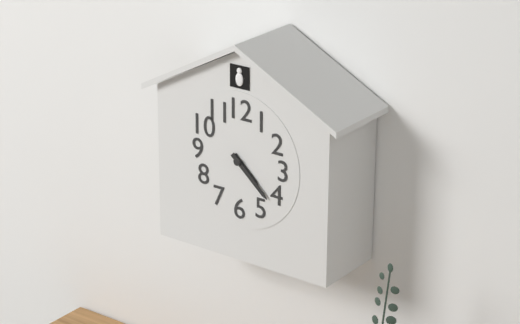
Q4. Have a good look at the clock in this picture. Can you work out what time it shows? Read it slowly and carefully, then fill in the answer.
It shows 4:22
